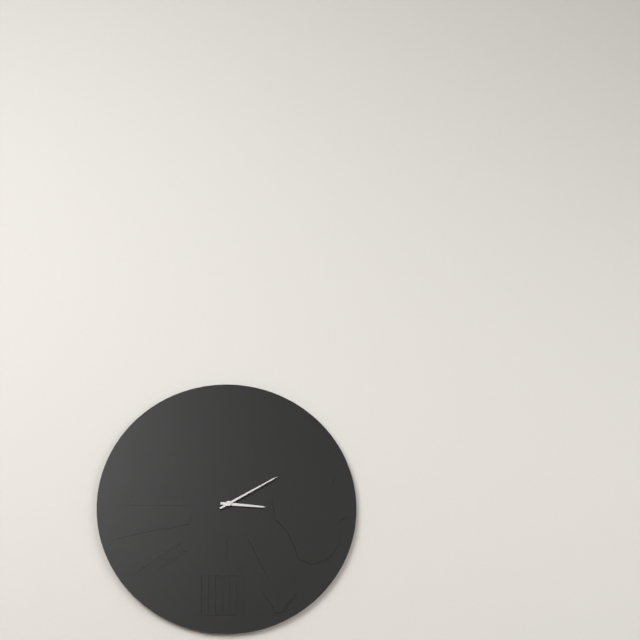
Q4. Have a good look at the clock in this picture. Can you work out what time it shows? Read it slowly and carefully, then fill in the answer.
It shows 3:10
